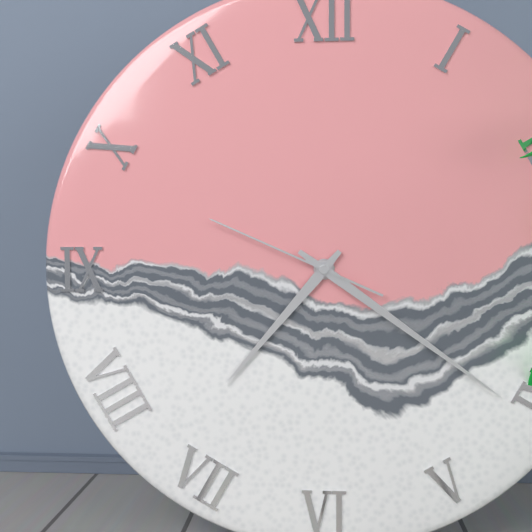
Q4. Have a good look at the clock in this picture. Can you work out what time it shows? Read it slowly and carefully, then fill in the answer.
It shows 7:21:49
